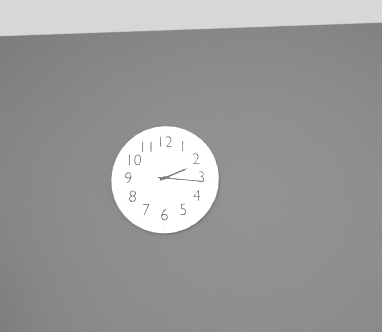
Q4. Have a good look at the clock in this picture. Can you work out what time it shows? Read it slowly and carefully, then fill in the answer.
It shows 2:16
